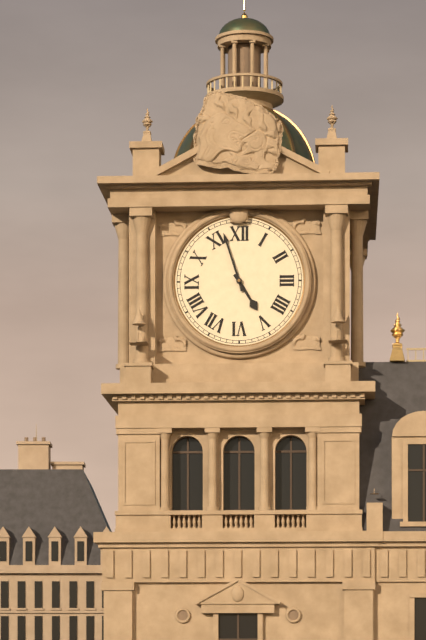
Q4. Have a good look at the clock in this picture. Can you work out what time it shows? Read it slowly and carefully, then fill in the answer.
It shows 4:57
